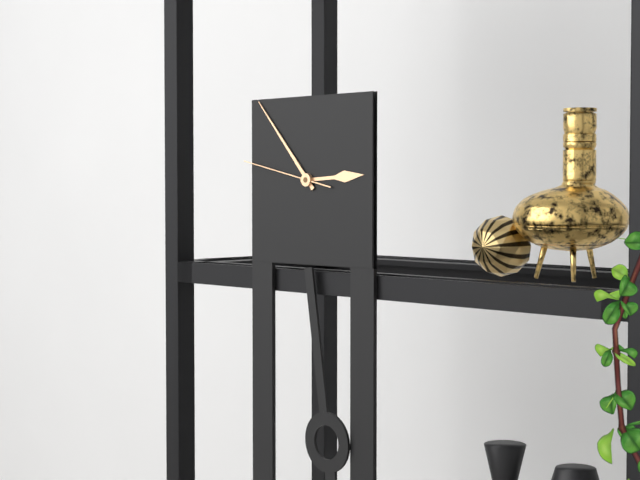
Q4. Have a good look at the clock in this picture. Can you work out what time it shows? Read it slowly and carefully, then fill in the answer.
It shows 2:53:47
